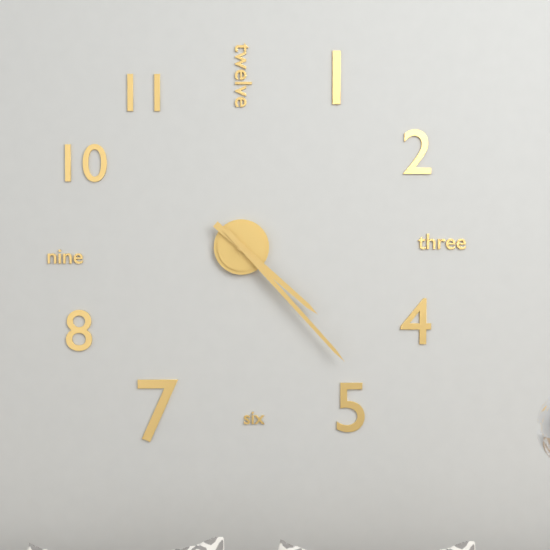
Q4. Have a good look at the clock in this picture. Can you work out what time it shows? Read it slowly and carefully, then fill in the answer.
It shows 4:23
